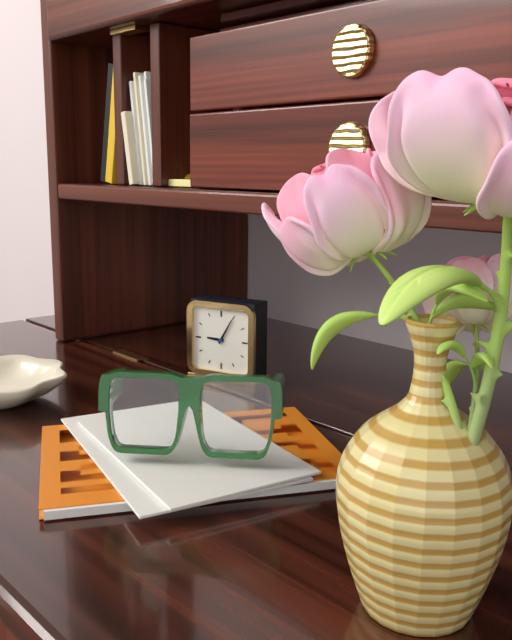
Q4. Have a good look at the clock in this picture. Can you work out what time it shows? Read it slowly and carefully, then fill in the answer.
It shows 9:05
